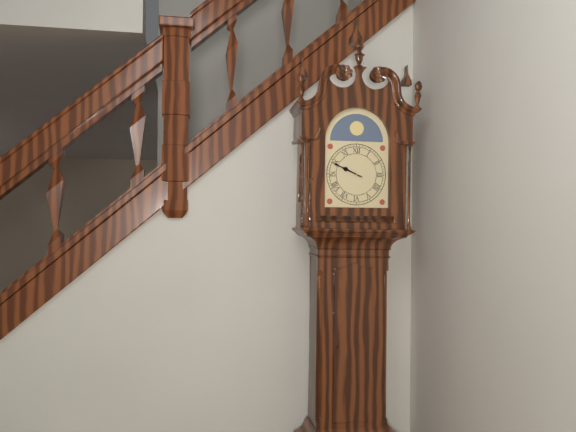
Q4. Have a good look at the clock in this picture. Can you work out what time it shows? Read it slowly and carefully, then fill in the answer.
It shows 9:49
